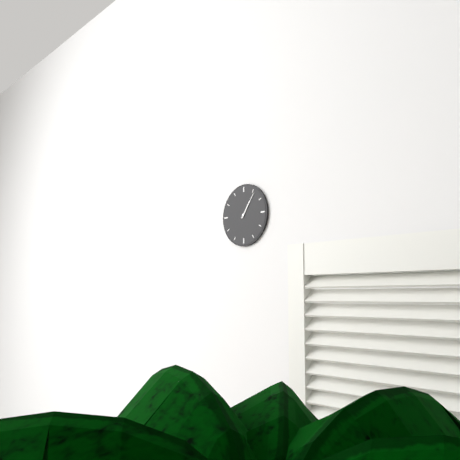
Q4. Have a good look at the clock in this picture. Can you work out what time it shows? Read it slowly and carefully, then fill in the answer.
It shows 1:06
